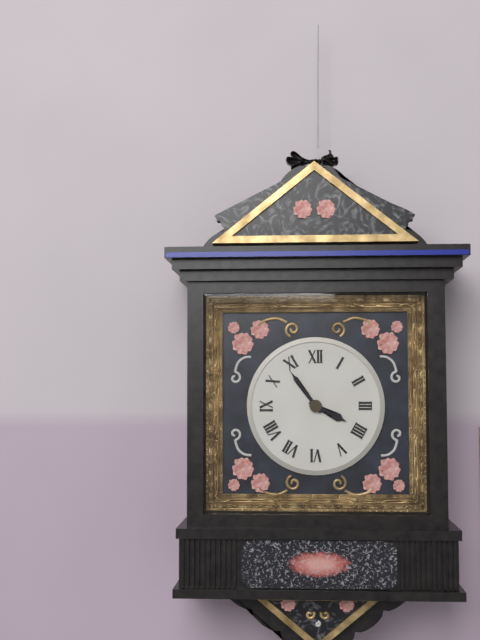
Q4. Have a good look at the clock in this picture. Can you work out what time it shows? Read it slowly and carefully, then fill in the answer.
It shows 3:54
